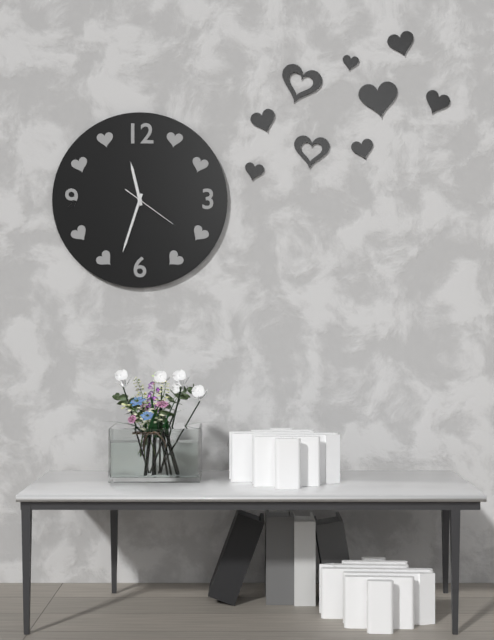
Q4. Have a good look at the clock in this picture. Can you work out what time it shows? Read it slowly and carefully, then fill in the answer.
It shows 11:33:21
